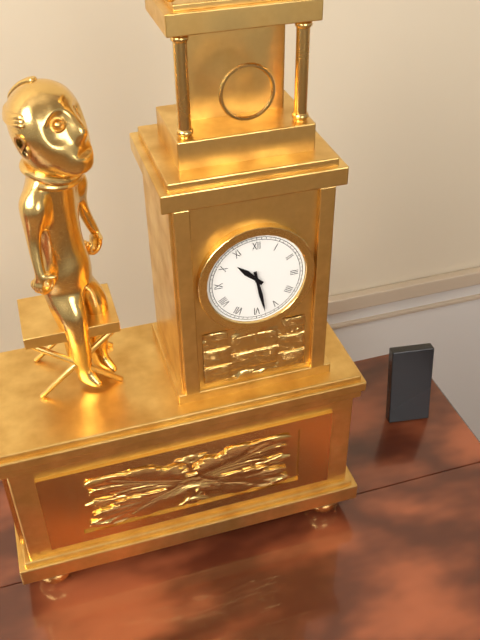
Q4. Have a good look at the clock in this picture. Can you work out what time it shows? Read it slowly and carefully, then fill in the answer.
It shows 10:28
